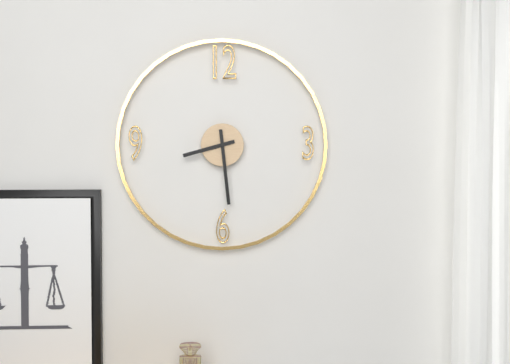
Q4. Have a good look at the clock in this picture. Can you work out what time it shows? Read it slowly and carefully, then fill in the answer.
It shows 8:29
